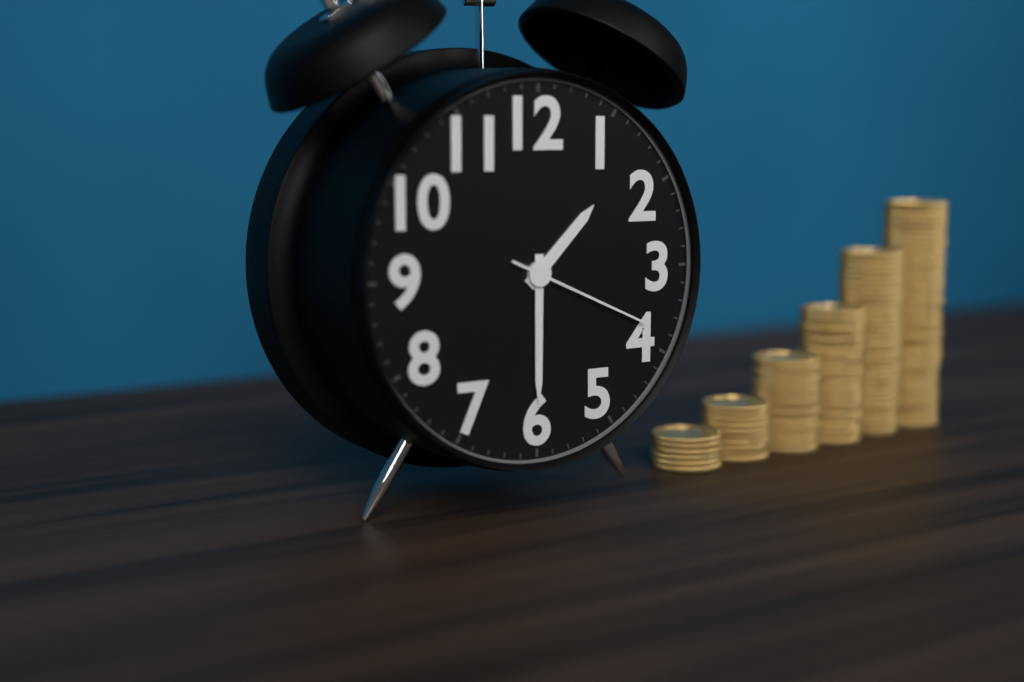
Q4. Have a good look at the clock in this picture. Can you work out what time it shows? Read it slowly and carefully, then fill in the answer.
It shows 1:30:19
